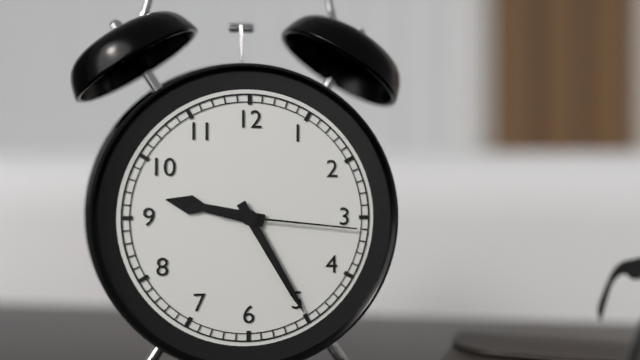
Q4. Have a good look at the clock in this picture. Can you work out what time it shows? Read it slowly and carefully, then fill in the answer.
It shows 9:25:16
